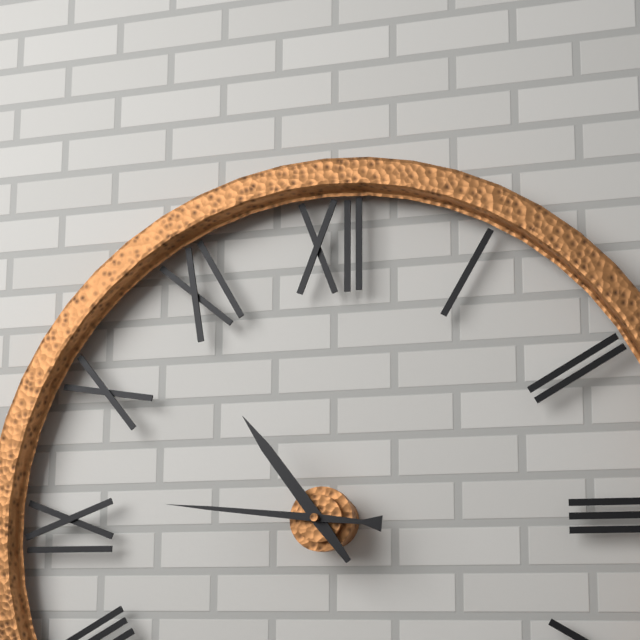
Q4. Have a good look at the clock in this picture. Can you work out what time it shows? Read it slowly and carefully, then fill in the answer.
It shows 10:46
